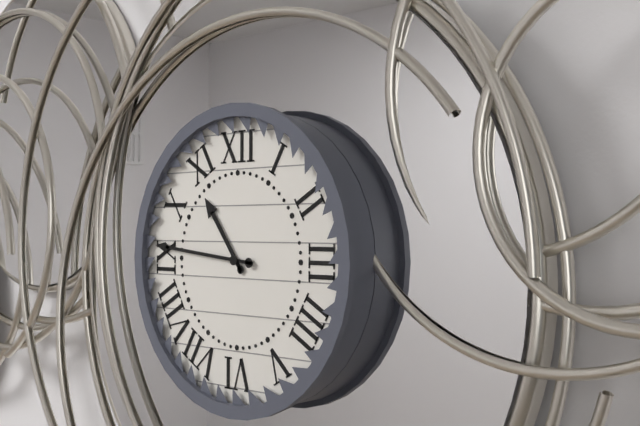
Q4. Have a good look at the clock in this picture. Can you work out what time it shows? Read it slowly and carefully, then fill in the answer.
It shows 10:46
